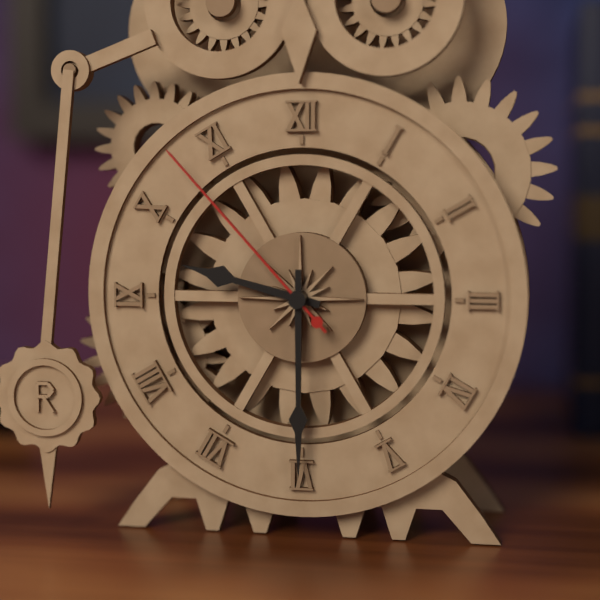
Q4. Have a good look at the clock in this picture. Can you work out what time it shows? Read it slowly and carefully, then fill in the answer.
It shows 9:30:53
